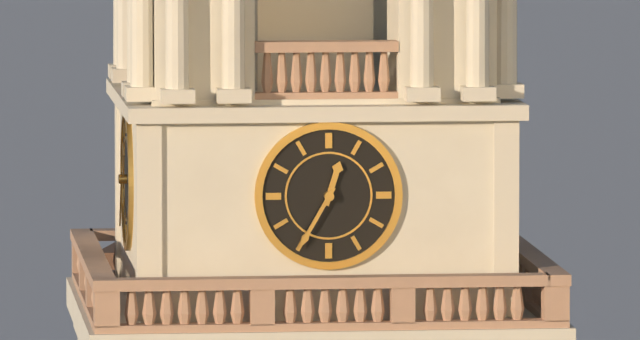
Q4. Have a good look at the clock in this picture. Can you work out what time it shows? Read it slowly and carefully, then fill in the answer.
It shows 12:35
